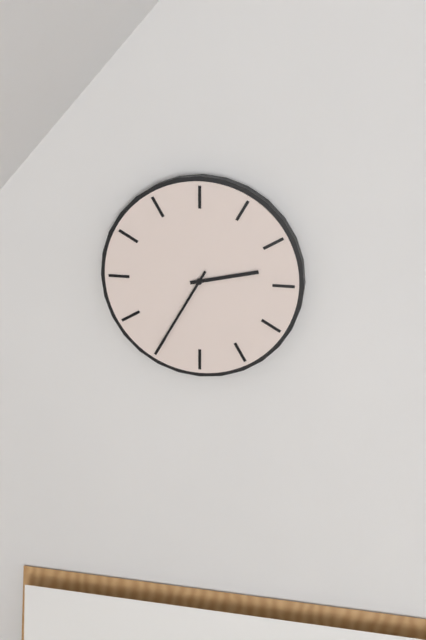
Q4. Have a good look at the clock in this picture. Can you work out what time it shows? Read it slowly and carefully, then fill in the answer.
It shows 2:35
